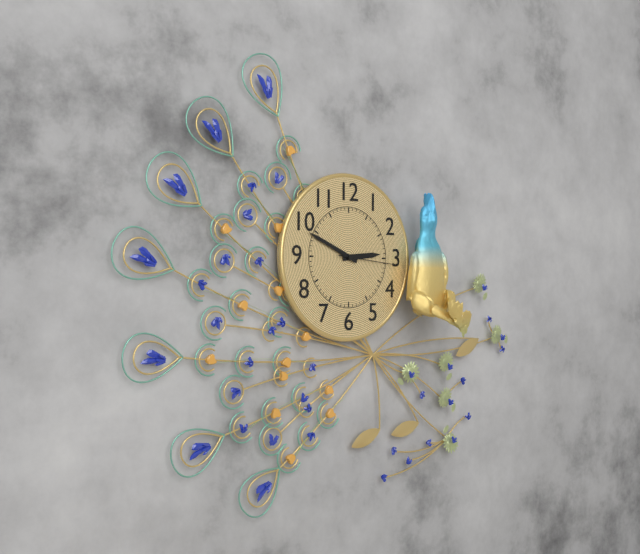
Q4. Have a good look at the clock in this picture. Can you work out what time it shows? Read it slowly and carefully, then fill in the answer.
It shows 2:49:16
